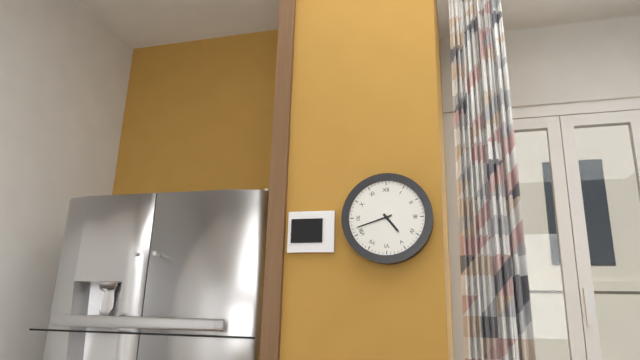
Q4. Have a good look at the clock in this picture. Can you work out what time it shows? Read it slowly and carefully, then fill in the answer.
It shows 4:42
